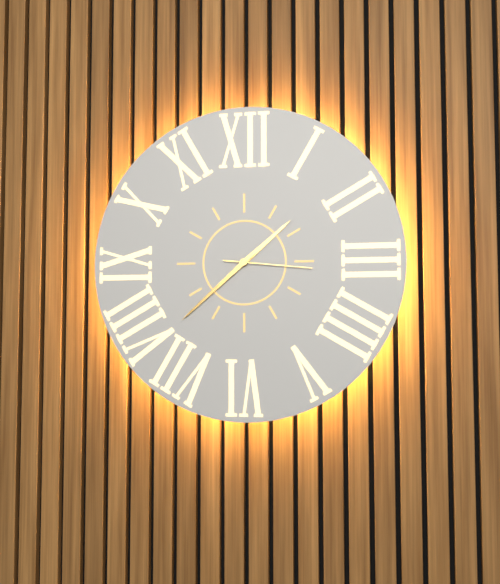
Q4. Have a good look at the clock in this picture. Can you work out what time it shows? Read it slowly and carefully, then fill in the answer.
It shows 1:38:16
